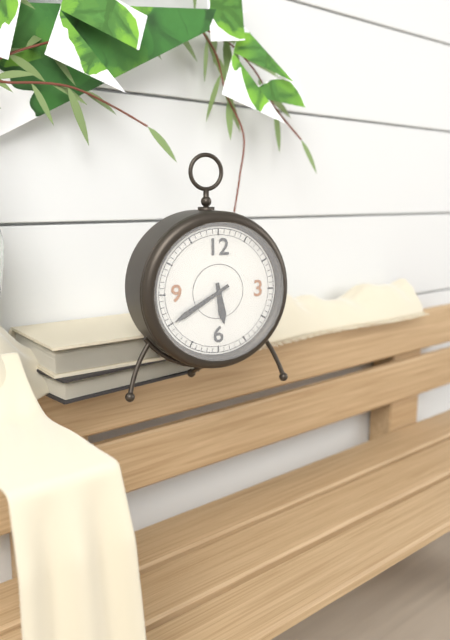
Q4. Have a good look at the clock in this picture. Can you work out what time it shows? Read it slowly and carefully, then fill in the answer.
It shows 5:40
